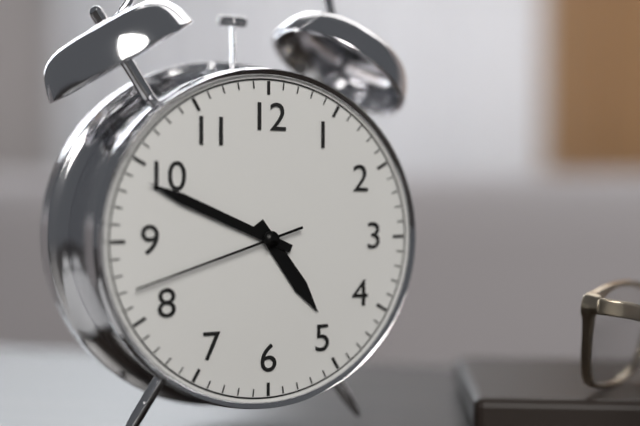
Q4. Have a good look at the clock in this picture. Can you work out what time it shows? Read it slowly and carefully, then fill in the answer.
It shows 4:49:42
